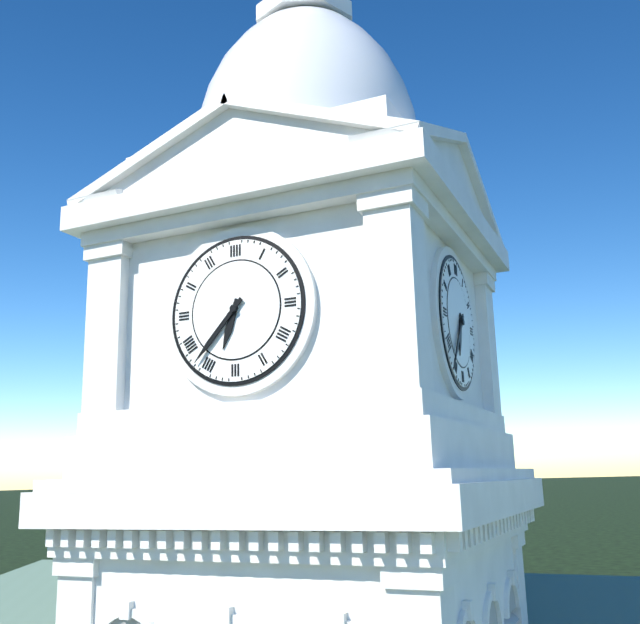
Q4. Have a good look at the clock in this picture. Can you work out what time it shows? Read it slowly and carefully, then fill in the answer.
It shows 6:37
